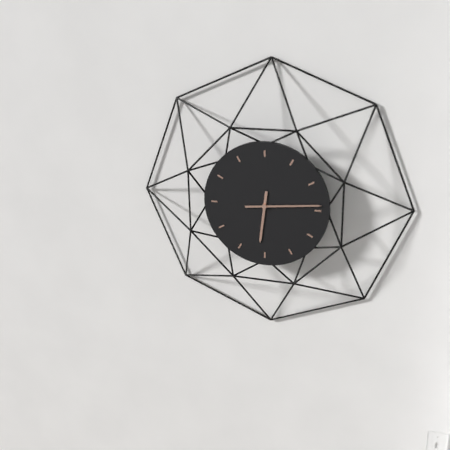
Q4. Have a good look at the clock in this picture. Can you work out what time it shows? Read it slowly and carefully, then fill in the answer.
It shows 6:14
